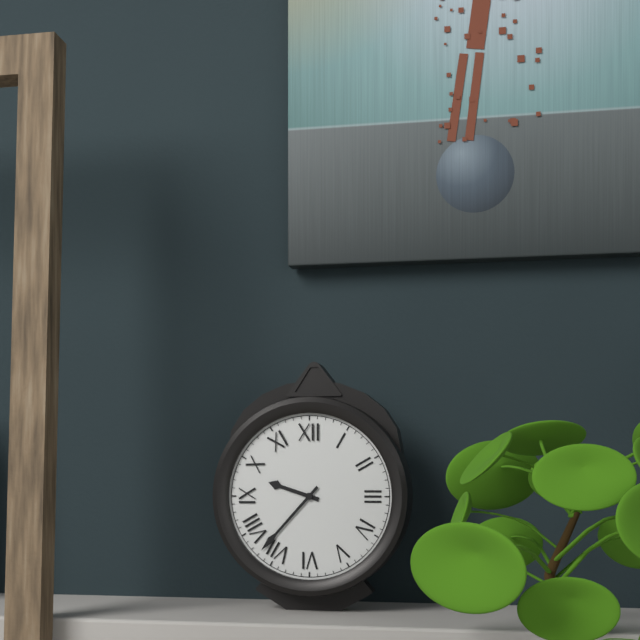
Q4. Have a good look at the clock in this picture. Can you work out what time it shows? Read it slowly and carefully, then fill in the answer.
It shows 9:37
